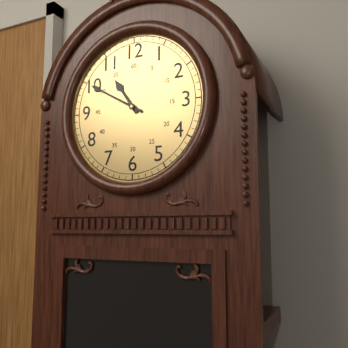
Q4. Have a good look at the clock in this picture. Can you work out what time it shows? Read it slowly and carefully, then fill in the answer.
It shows 10:50
